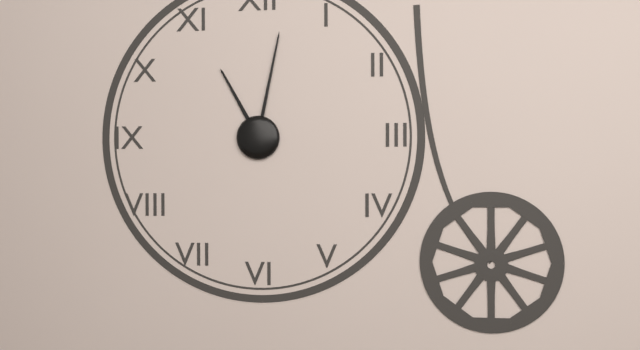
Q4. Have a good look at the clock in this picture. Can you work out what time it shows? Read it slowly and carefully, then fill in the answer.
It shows 11:02
